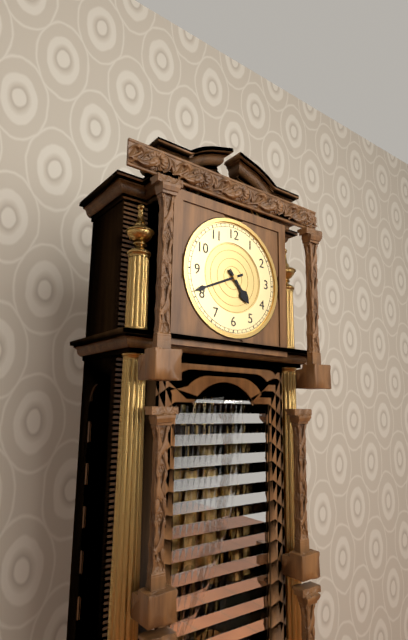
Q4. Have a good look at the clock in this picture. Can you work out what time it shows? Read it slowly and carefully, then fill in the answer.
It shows 4:41
